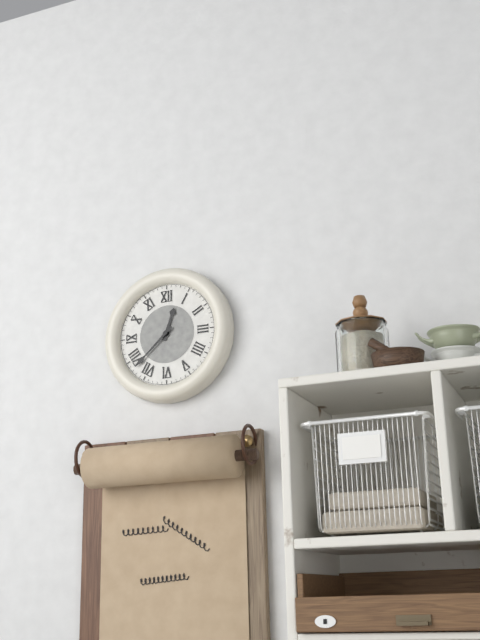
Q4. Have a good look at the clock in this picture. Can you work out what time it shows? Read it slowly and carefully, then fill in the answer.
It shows 12:38
